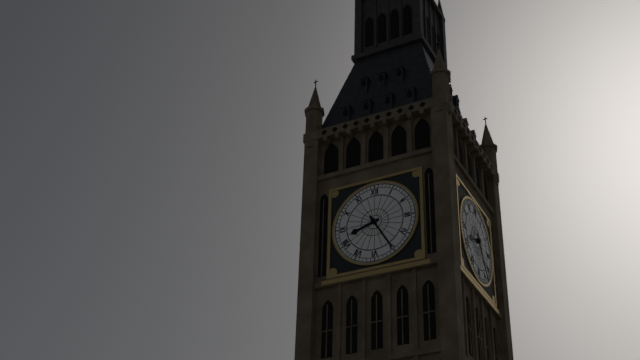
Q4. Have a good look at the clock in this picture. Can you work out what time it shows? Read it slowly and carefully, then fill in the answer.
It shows 8:25
